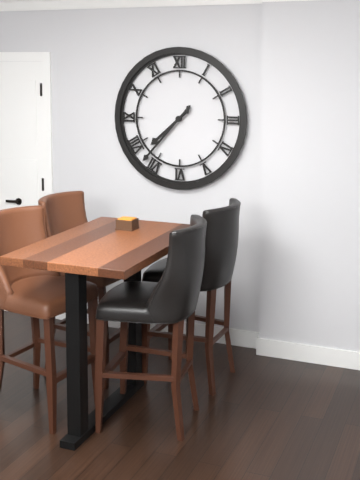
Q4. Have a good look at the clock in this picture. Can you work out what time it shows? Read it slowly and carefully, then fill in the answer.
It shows 7:37
